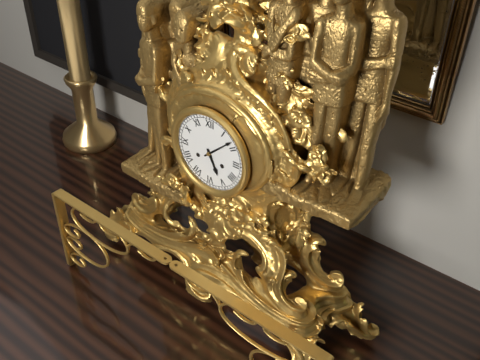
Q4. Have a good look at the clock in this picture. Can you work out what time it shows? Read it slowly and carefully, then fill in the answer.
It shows 5:08
